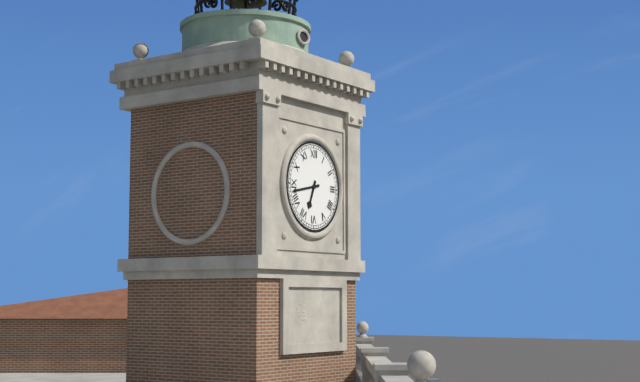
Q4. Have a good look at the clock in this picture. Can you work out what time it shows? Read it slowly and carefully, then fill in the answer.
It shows 6:43
